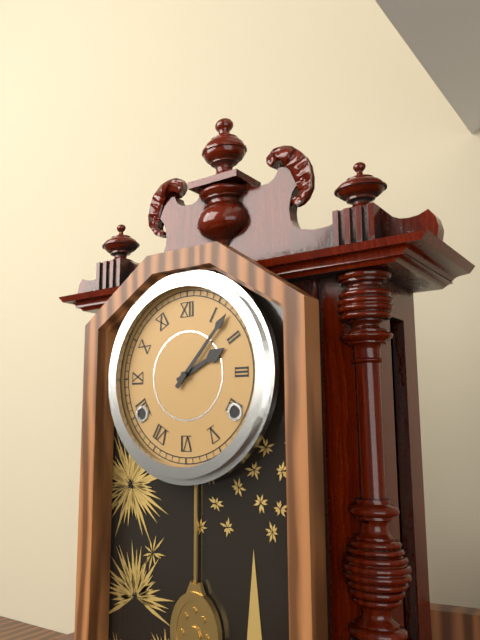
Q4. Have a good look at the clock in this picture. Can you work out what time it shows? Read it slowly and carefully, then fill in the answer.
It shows 2:07
